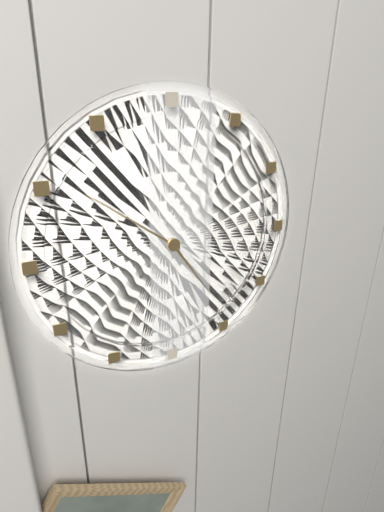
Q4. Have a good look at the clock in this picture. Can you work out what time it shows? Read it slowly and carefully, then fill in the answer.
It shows 4:51
